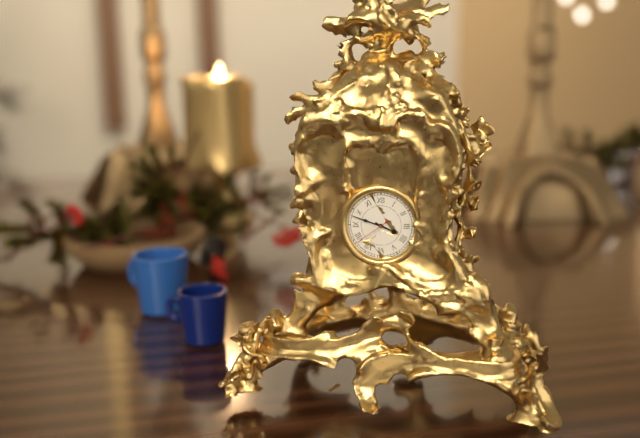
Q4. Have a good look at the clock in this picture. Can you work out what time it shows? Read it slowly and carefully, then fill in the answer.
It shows 3:48
